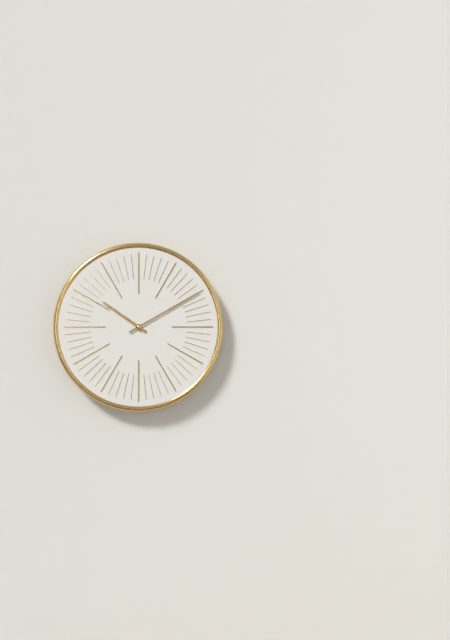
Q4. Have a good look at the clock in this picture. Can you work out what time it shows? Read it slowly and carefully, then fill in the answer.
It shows 10:10
